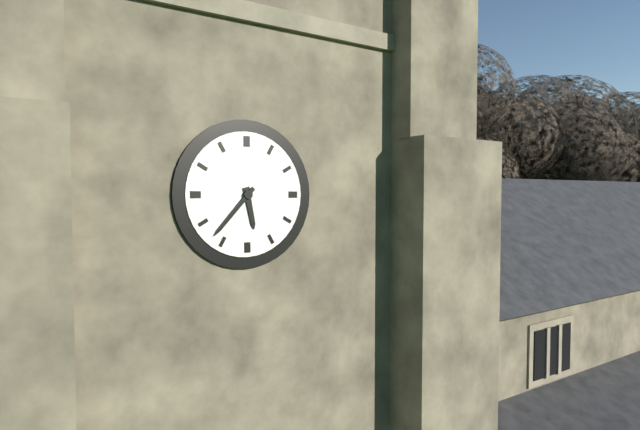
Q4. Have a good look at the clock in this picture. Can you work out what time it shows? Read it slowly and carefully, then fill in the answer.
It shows 5:37
